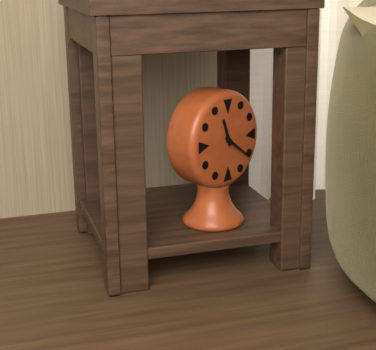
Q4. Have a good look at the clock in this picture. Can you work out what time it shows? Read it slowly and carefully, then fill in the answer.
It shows 11:21
